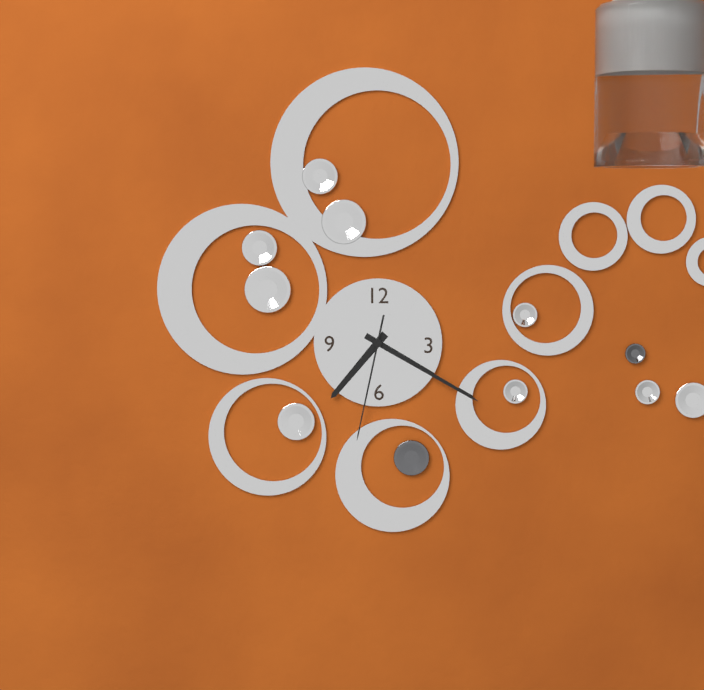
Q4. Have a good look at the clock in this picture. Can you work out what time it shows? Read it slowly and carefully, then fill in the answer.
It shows 7:20:32
